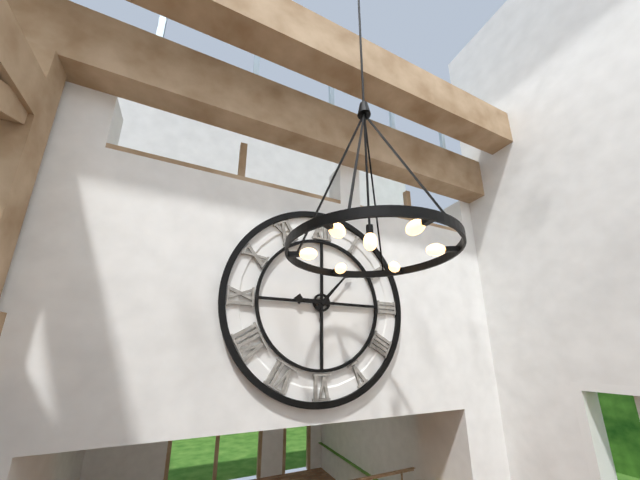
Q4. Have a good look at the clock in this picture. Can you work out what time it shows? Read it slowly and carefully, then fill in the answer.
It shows 9:07
